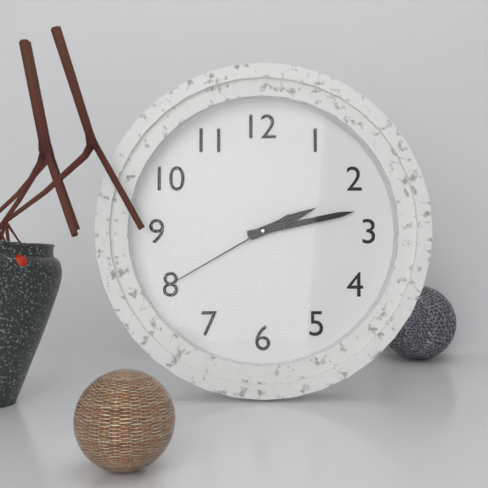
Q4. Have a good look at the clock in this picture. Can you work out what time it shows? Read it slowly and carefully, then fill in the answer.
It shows 2:13:40
